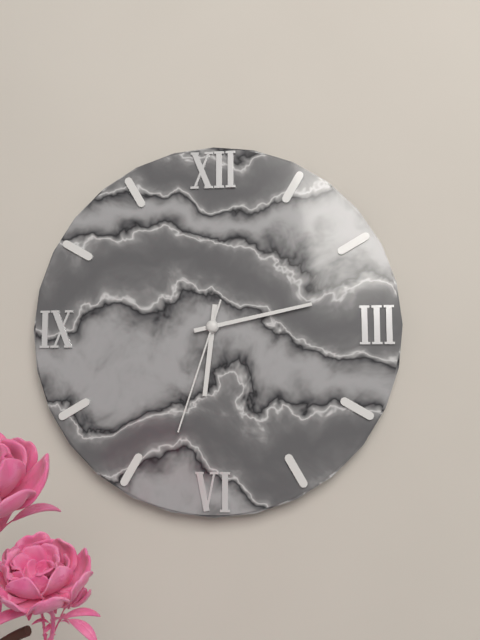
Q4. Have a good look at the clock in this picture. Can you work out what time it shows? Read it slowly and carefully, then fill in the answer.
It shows 6:13:33
